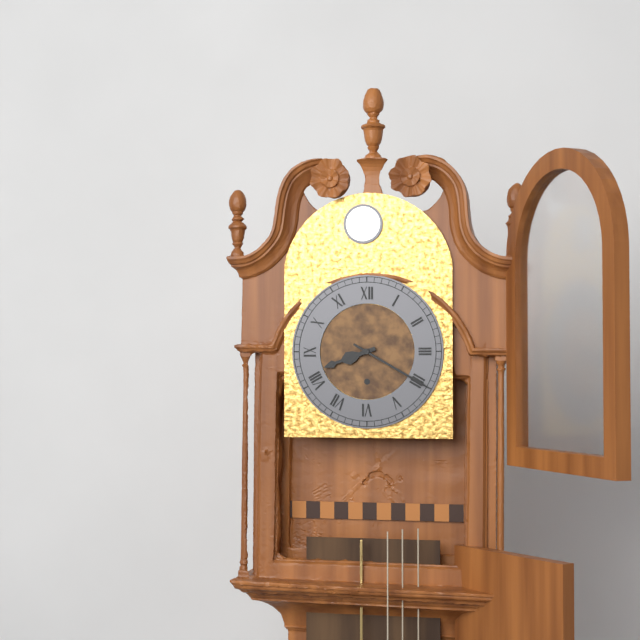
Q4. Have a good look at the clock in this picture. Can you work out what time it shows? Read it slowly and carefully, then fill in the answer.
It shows 8:20
